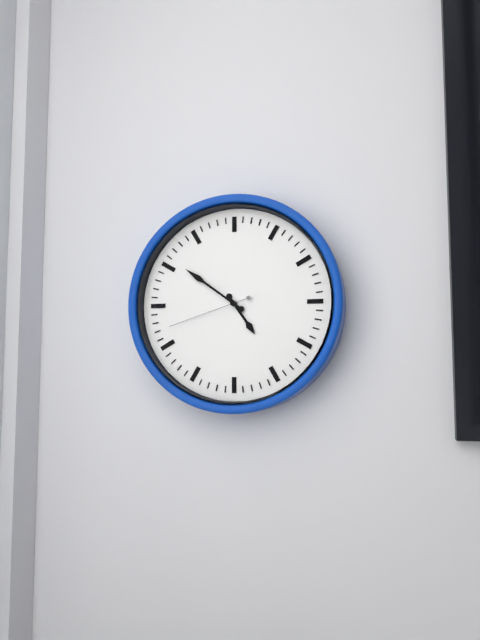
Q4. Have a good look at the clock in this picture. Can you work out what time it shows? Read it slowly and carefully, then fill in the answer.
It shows 4:51:42
